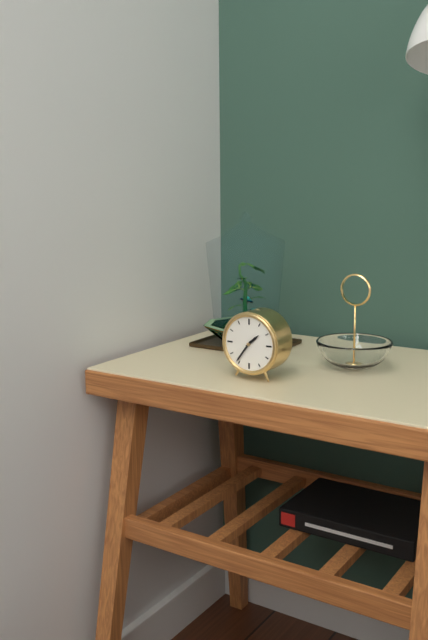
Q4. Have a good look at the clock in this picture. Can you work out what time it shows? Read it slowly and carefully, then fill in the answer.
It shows 1:36
